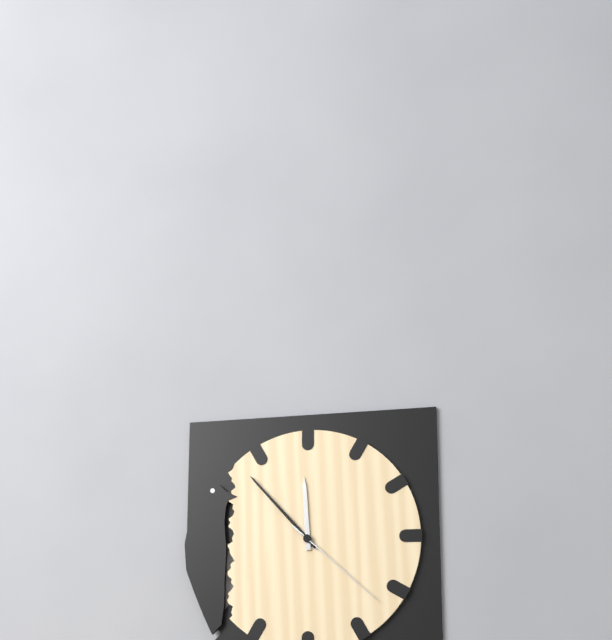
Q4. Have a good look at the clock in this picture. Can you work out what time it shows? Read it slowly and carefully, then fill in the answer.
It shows 11:53:22
